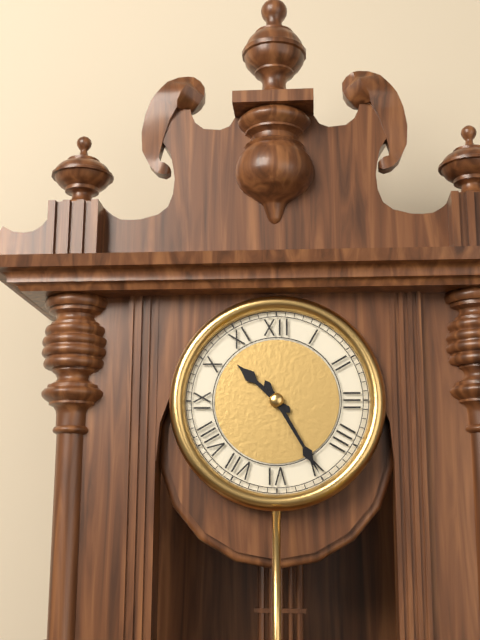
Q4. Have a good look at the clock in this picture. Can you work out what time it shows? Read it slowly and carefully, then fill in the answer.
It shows 10:25
